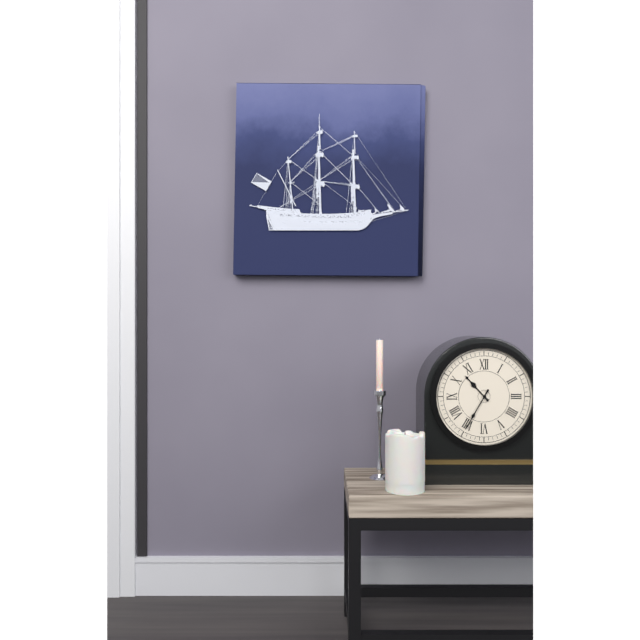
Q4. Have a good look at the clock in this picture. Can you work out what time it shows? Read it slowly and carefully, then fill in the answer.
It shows 10:35
